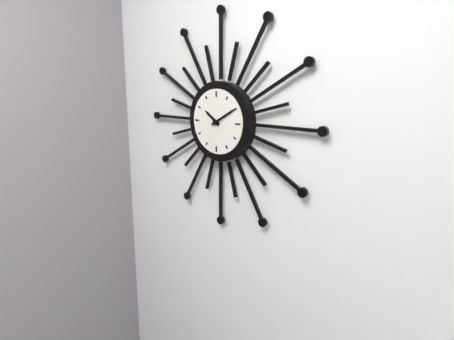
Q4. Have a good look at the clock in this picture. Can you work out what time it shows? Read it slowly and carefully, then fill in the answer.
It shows 10:10
